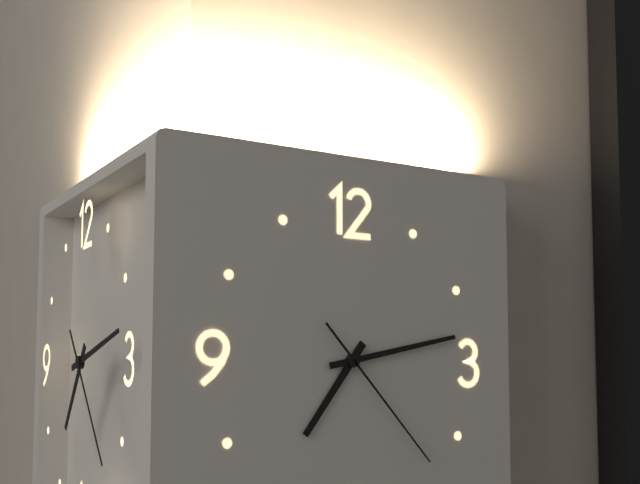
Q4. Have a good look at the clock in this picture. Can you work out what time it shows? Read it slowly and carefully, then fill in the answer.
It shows 7:13:23
